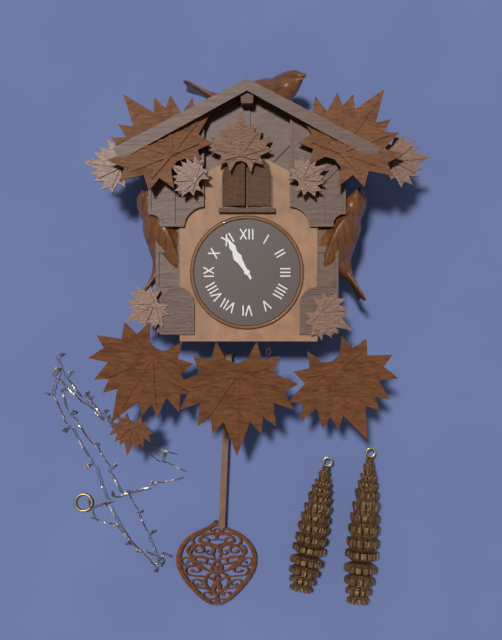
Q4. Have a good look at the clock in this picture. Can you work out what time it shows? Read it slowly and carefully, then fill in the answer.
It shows 10:55
